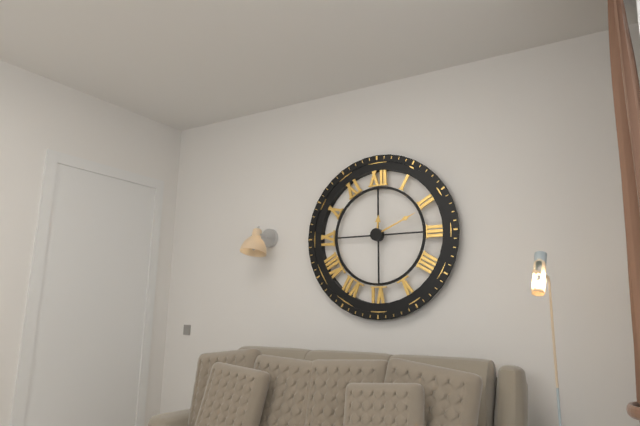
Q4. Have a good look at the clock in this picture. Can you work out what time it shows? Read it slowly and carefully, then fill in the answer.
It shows 12:11
